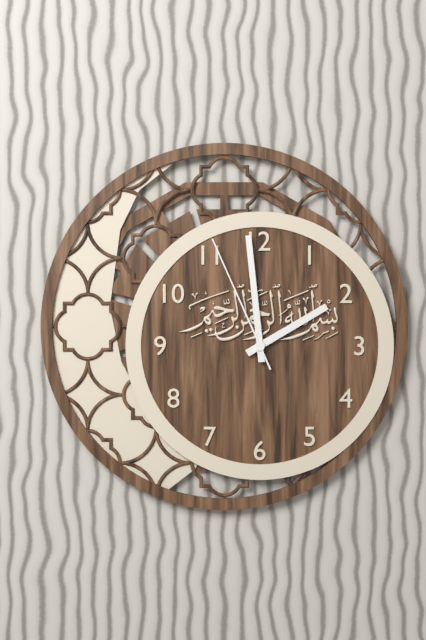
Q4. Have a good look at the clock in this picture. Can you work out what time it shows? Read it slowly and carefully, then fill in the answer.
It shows 1:59:56
